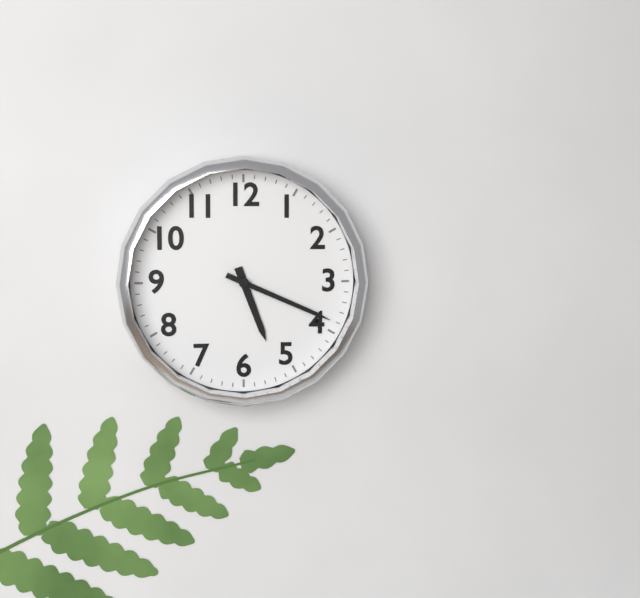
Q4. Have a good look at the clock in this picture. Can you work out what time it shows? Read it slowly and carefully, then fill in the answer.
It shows 5:19
